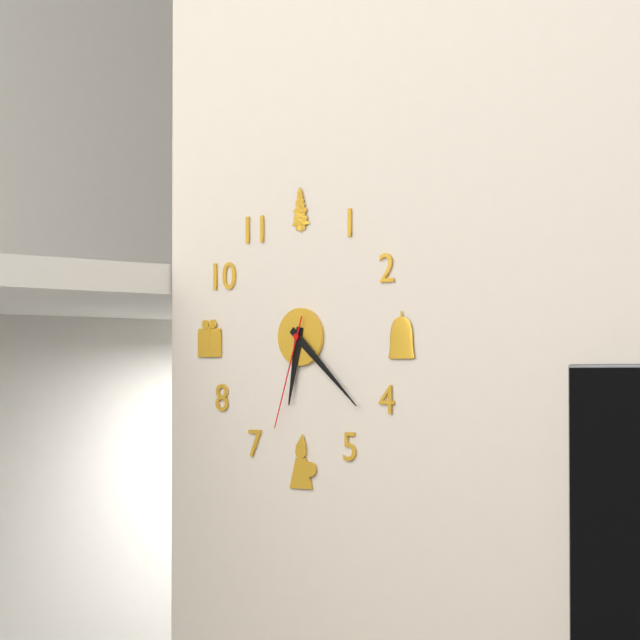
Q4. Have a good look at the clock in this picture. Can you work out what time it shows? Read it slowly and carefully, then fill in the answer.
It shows 6:22:33
